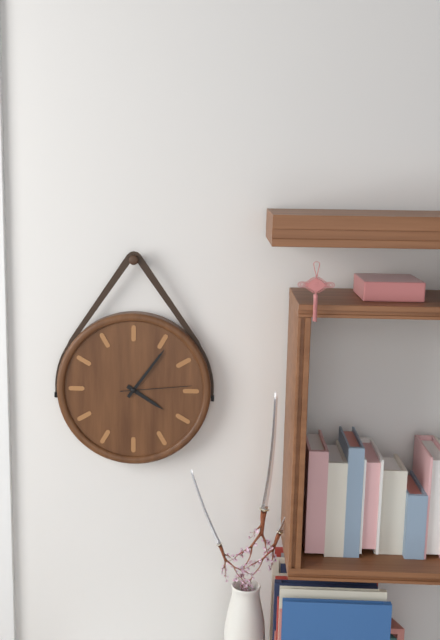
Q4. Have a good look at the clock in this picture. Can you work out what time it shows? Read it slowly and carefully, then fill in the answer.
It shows 4:06:14
